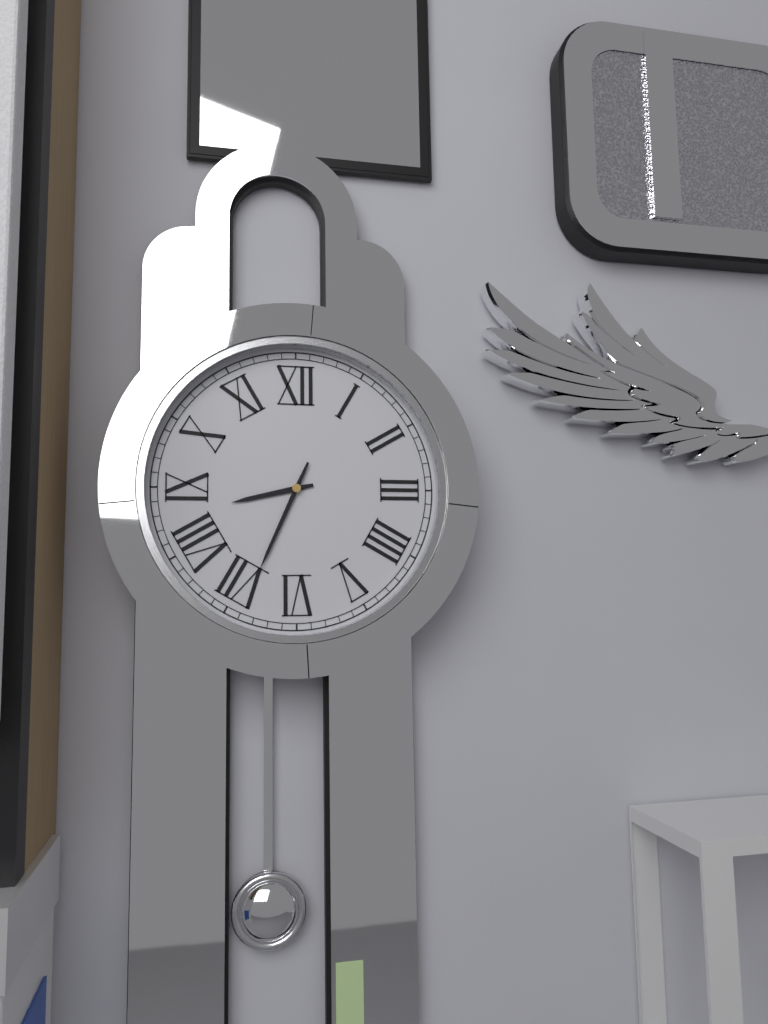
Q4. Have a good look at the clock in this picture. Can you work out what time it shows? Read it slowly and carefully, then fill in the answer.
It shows 8:34
